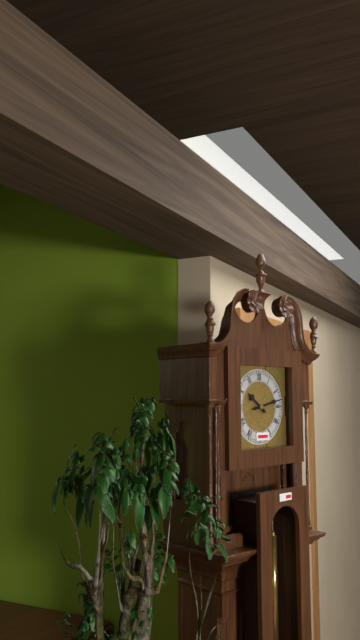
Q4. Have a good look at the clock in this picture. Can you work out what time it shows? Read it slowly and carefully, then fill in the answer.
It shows 10:13
